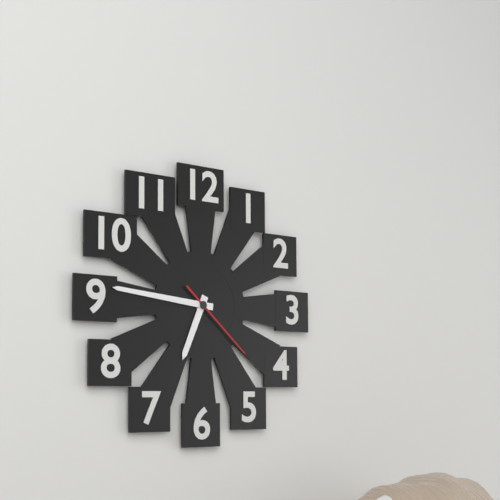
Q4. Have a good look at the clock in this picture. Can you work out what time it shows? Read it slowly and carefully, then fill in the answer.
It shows 6:46:22
